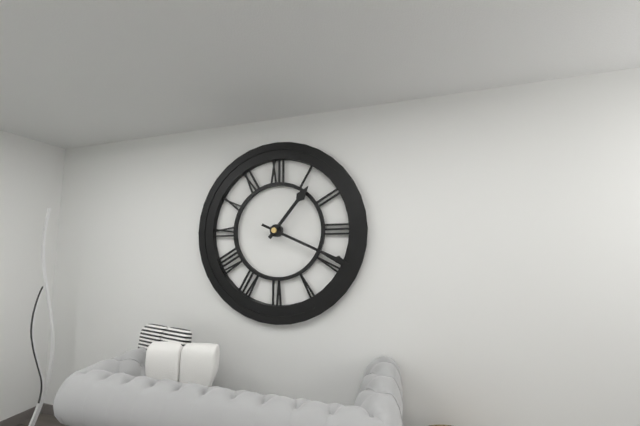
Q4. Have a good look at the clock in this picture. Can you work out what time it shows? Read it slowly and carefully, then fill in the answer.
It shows 1:19
